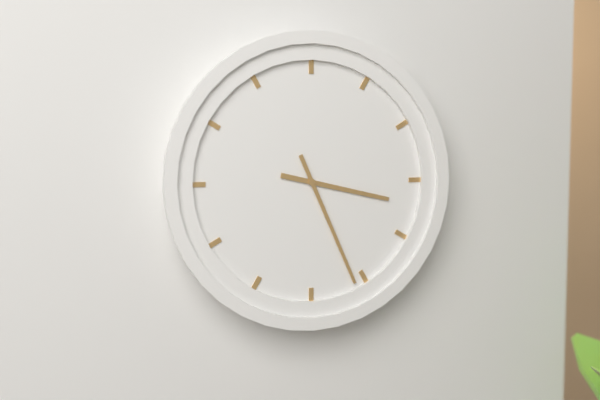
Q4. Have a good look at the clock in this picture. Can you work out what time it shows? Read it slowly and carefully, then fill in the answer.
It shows 3:26
